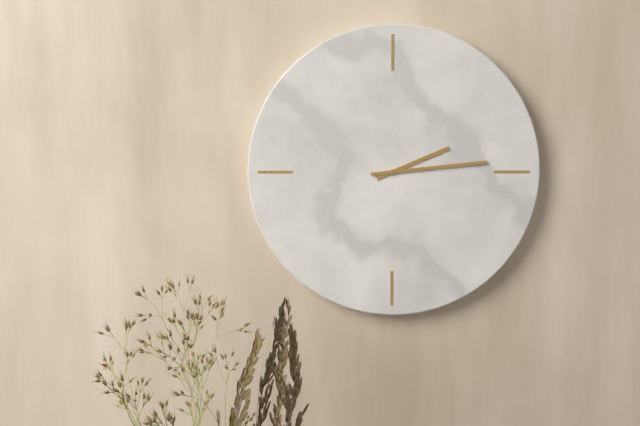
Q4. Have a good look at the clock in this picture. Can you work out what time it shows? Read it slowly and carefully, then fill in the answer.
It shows 2:14
